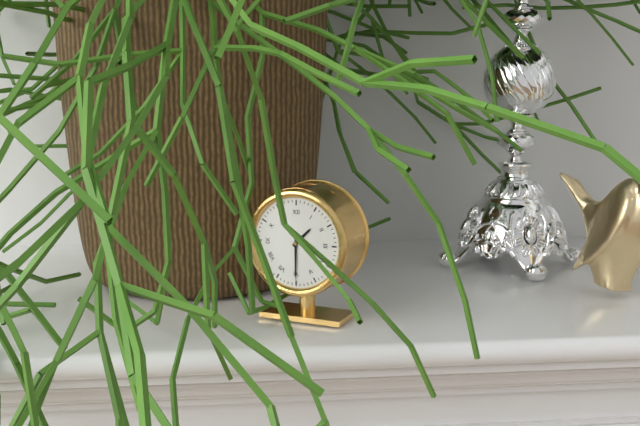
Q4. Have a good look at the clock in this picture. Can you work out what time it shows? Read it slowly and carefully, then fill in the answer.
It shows 1:30
